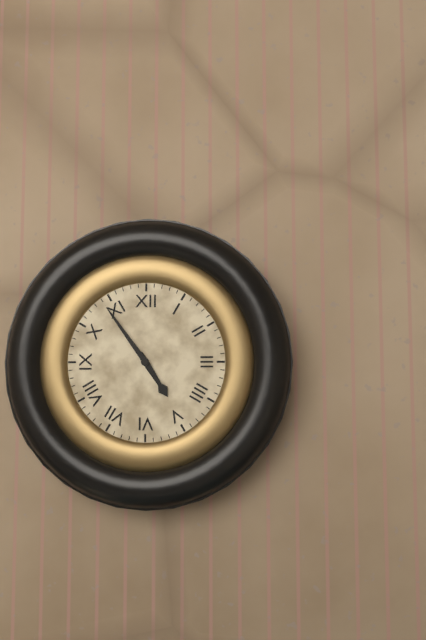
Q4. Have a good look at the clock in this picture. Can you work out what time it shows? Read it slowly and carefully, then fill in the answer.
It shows 4:54
